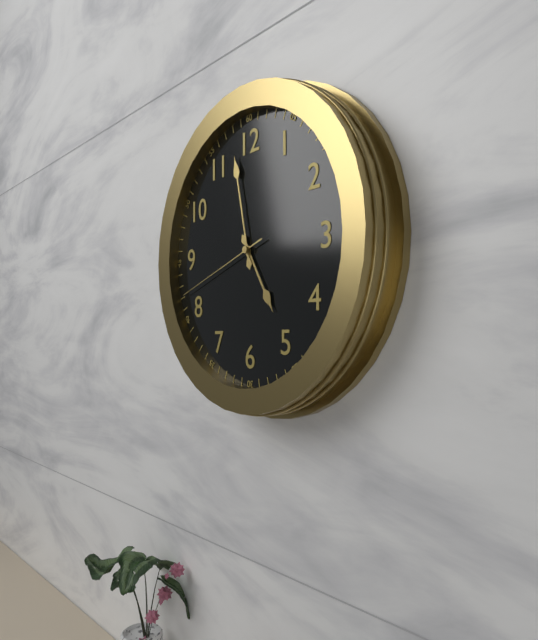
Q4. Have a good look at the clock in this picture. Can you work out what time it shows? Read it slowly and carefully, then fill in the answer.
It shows 4:58:42
